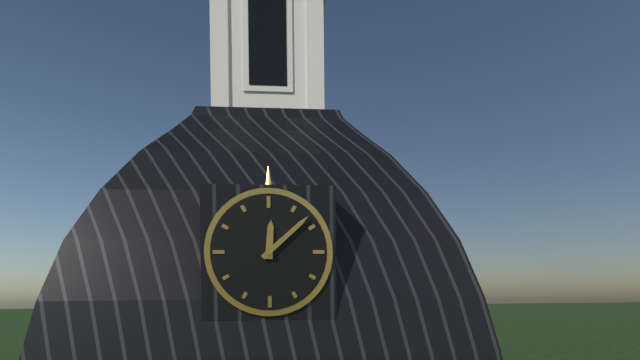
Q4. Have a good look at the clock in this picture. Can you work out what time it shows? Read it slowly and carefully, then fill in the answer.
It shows 12:08
